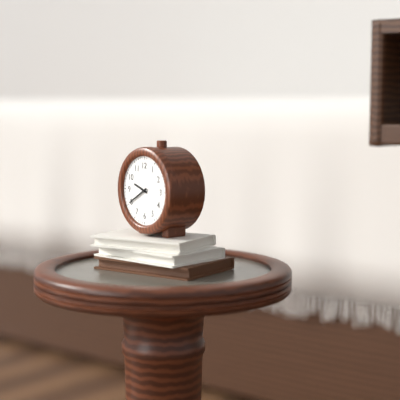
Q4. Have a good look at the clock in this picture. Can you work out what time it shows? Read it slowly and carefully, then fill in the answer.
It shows 9:40
